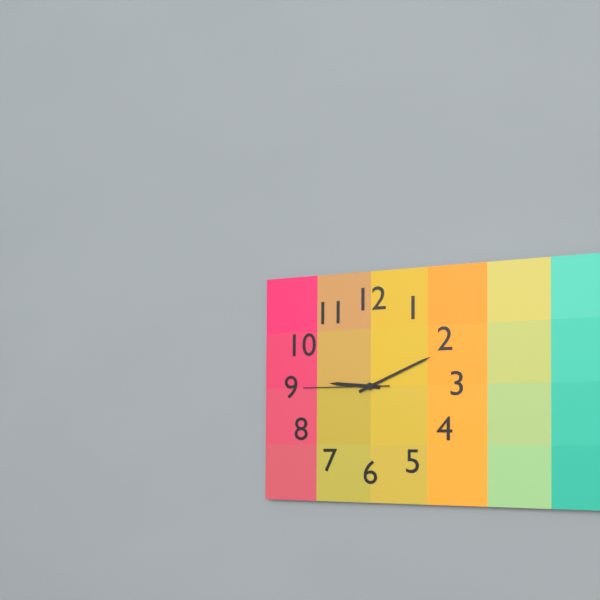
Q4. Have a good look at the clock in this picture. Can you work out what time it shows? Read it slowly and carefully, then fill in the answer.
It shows 9:11:45
